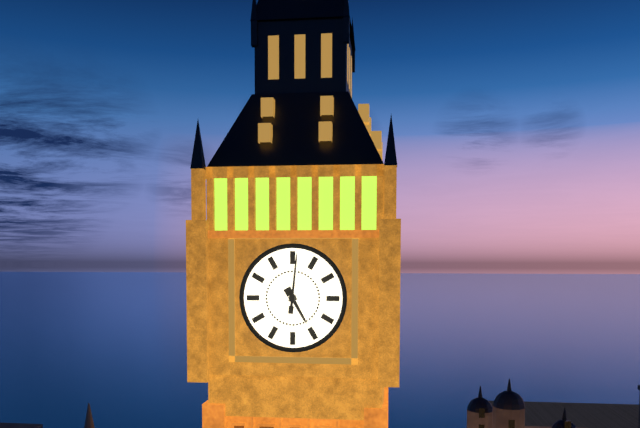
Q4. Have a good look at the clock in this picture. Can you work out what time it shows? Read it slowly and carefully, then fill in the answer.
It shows 5:01
